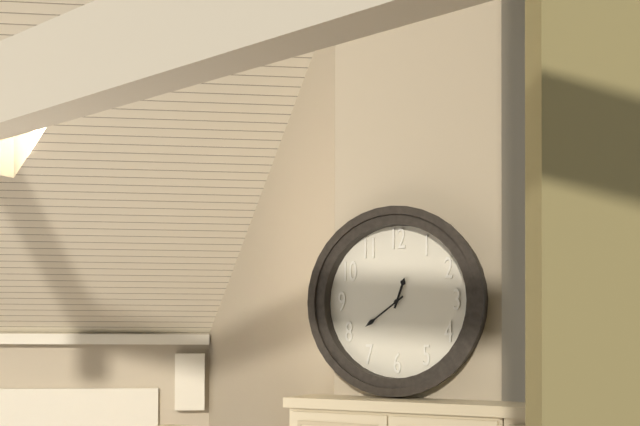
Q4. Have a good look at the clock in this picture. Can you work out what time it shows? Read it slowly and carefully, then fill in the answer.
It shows 12:39
